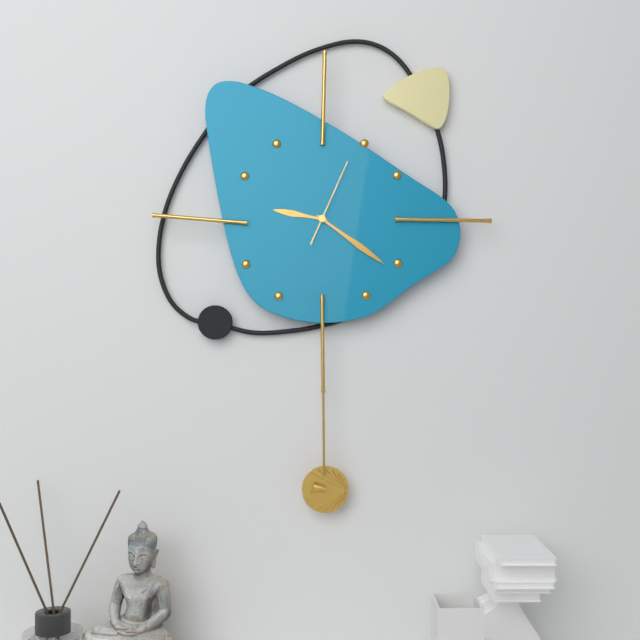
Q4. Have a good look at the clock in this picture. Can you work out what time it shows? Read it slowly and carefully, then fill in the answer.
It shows 9:21:04
